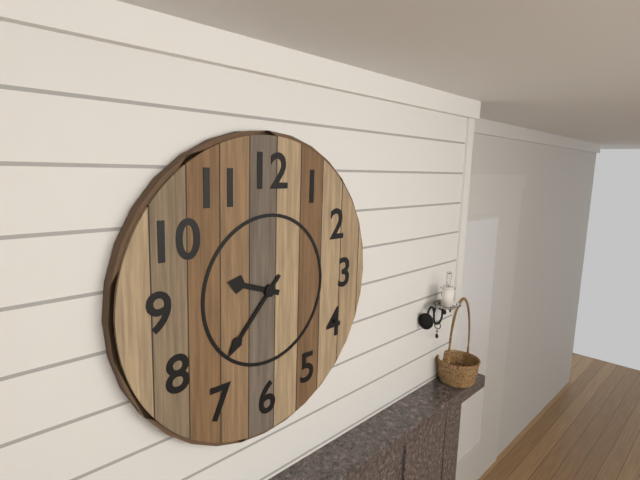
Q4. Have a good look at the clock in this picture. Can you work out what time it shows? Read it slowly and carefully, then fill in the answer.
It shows 9:37
